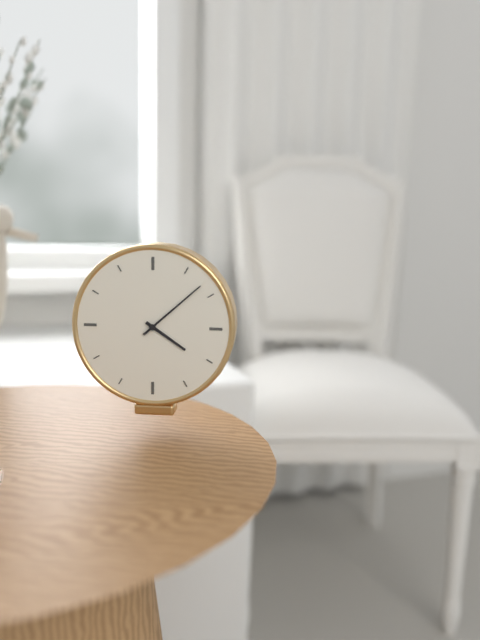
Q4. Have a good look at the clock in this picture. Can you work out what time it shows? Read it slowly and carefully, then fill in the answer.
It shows 4:08
